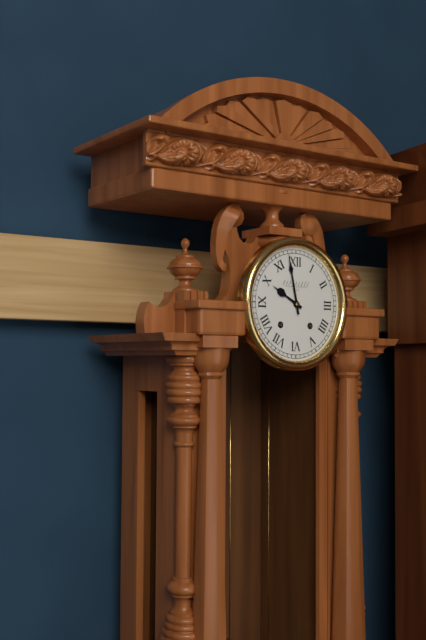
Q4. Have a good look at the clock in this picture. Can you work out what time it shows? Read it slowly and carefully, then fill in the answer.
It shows 9:58
